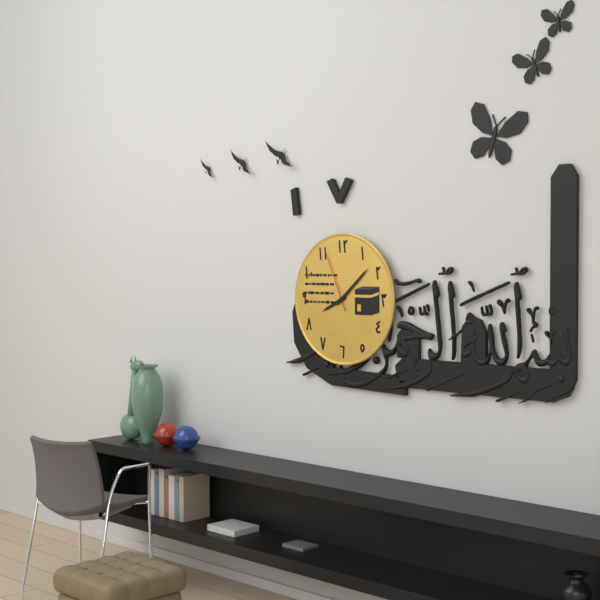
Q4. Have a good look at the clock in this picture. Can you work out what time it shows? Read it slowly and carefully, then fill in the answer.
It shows 8:08:56
